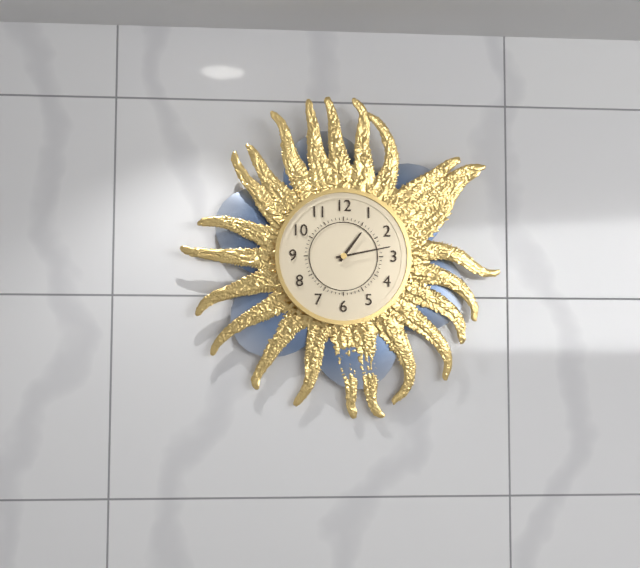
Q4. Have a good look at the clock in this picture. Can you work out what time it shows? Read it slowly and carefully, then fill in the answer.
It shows 1:13
